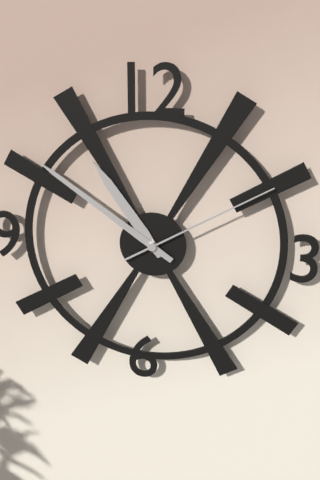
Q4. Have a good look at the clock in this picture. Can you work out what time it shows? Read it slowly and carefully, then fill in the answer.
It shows 10:51:10
